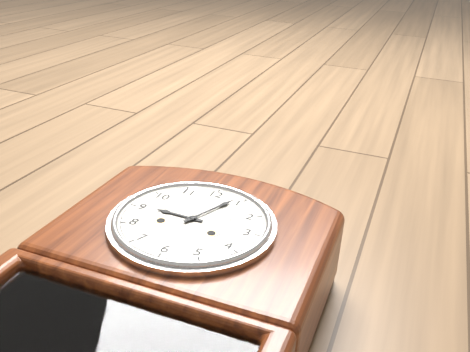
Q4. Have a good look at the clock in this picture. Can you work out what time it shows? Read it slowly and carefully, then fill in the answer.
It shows 9:04
